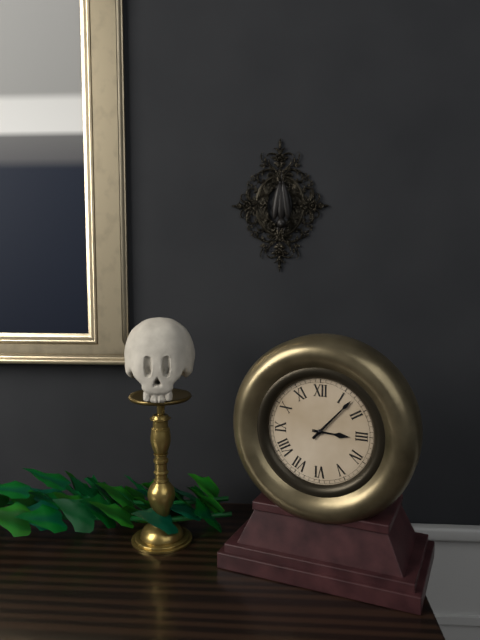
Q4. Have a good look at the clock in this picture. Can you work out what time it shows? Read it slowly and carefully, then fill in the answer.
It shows 3:07
